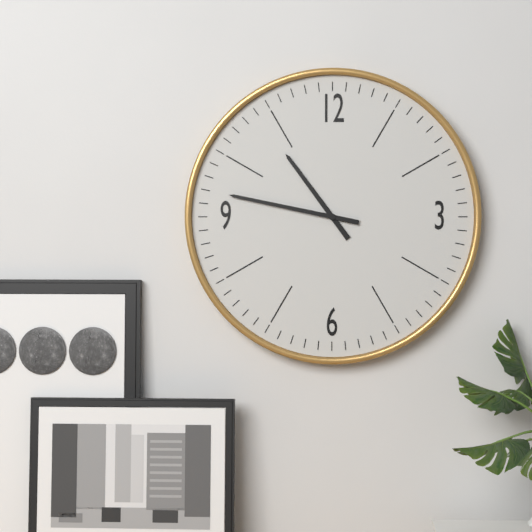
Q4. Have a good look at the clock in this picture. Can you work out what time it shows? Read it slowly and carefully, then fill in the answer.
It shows 10:47
